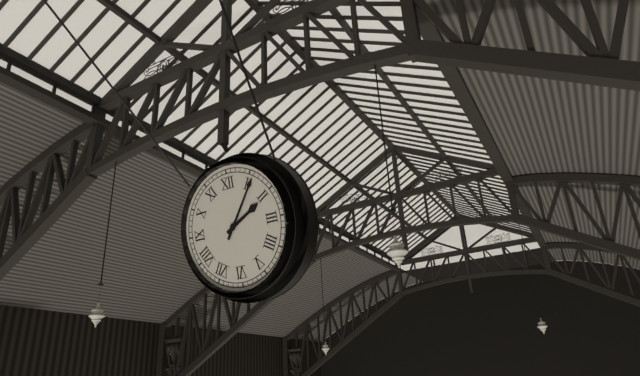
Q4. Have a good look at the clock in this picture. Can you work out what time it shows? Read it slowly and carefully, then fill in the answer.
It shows 2:06
